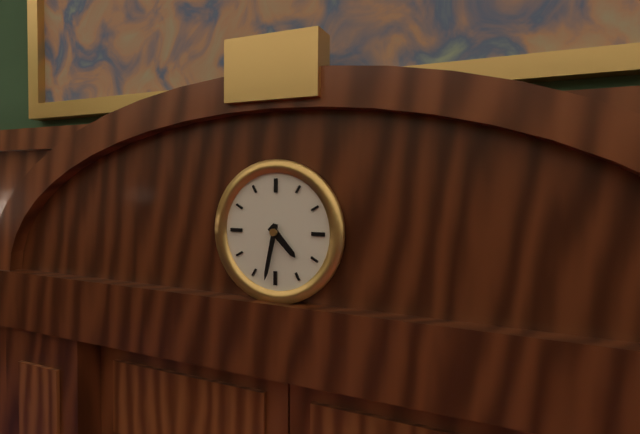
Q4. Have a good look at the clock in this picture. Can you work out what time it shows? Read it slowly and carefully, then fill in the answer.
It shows 4:32
